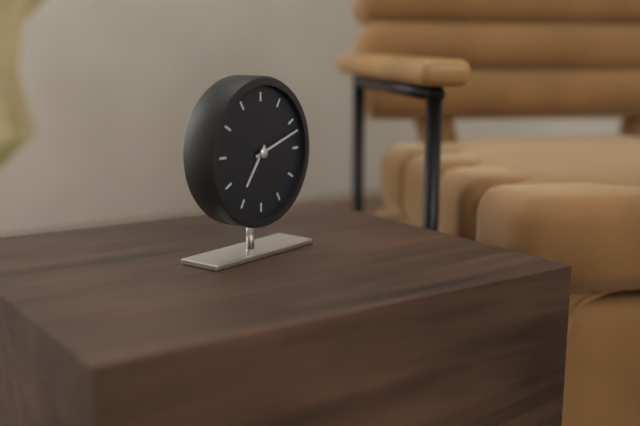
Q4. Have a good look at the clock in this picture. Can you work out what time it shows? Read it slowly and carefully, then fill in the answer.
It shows 7:12
